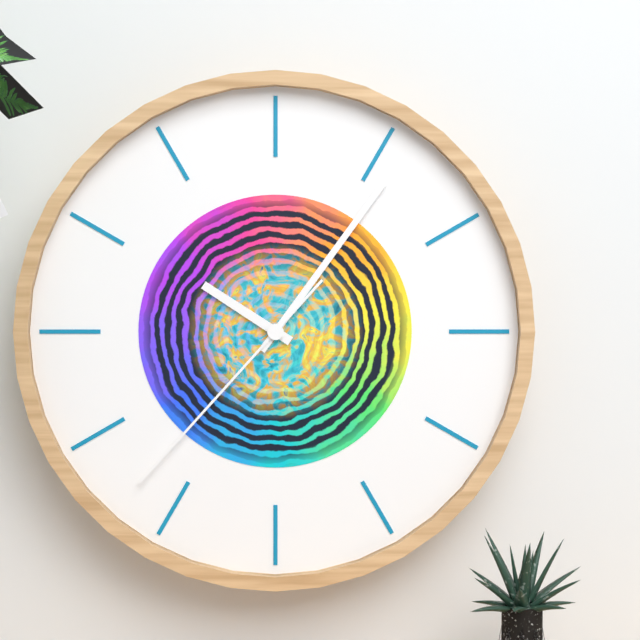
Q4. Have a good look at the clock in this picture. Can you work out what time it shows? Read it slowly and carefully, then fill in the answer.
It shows 10:06:37
